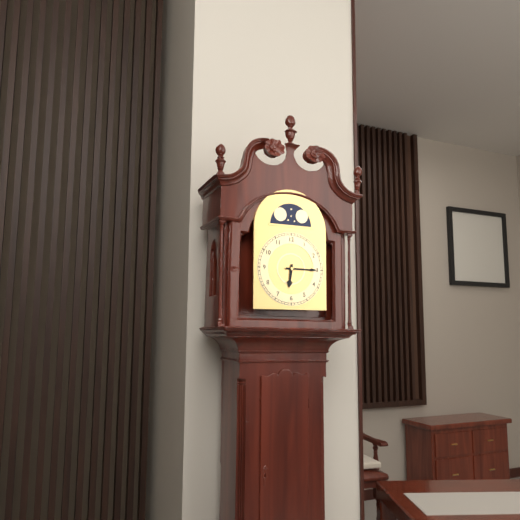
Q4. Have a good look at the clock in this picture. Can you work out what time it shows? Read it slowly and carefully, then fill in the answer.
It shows 6:15
